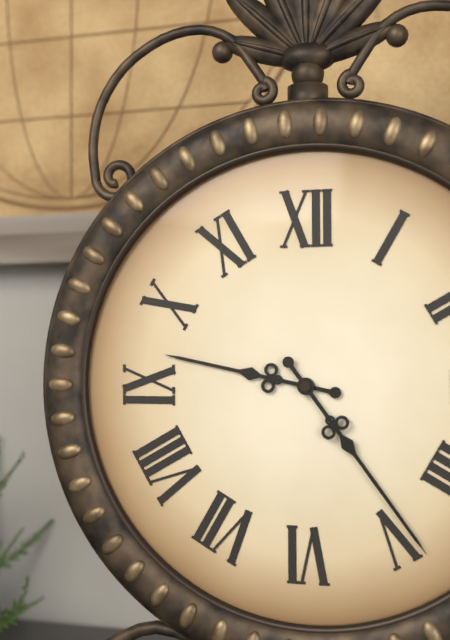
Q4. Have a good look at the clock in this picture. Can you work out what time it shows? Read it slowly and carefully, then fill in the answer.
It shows 9:24
